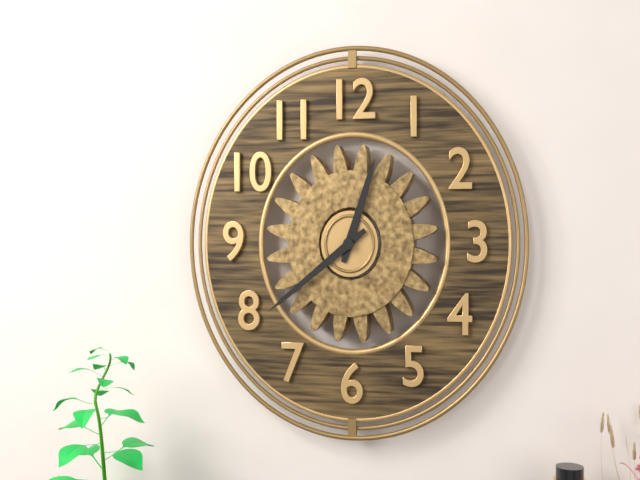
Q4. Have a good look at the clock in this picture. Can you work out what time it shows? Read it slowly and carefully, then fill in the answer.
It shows 12:39
